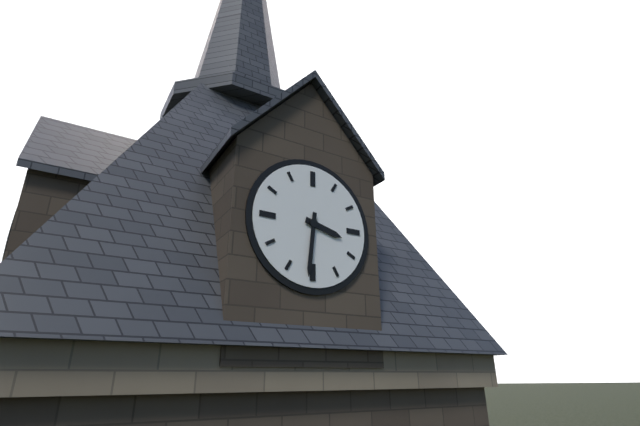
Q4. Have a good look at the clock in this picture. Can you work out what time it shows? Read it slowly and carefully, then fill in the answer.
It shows 3:31
